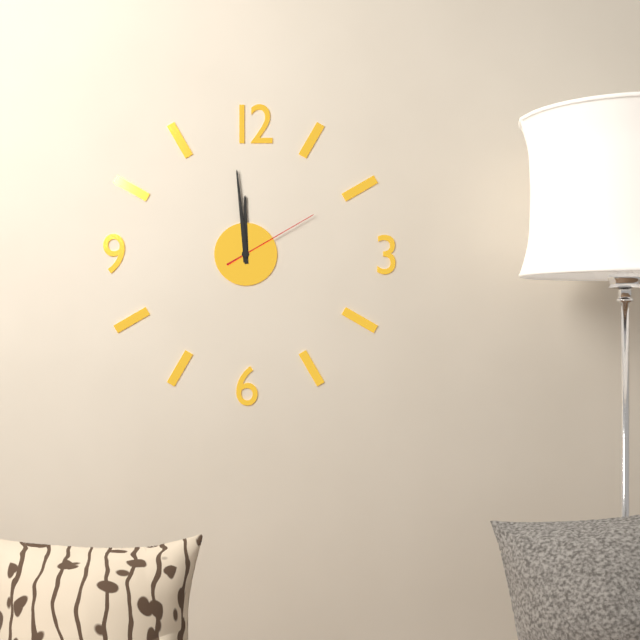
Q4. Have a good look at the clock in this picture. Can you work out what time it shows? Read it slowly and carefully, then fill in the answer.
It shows 11:59:10
